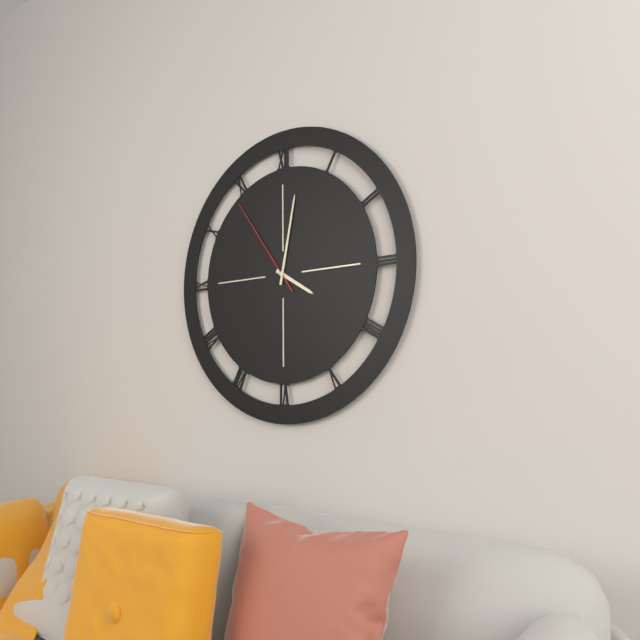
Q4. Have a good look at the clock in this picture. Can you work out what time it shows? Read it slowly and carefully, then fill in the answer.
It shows 4:02:54
